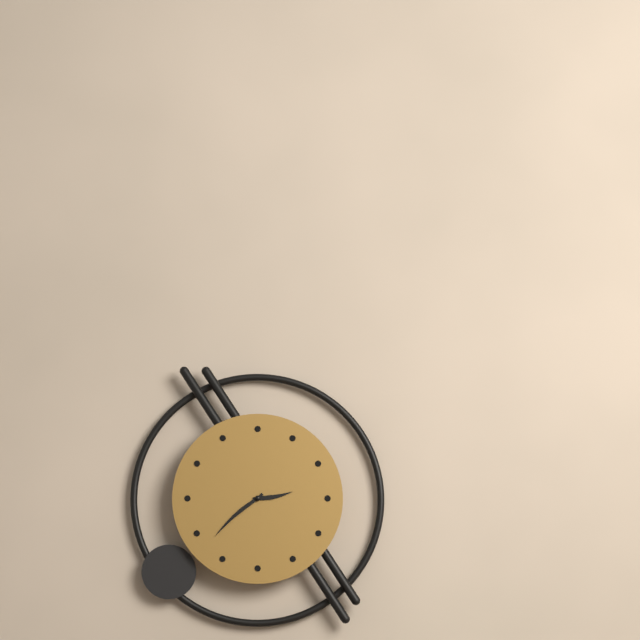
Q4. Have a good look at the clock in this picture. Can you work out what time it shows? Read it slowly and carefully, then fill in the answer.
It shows 2:38
